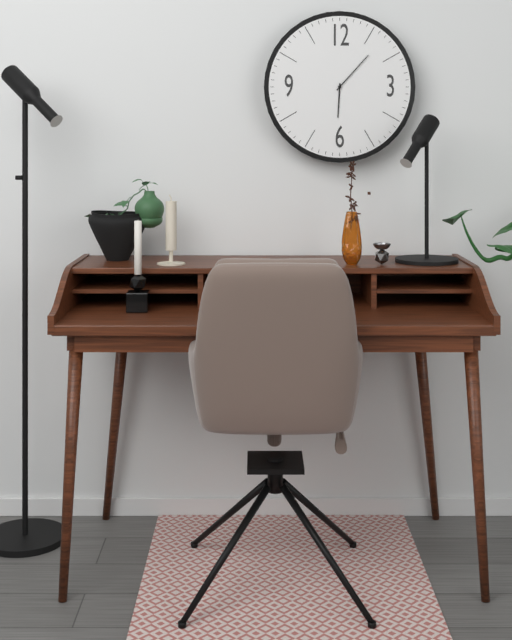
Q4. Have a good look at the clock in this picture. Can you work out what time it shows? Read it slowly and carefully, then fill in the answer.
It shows 6:07
